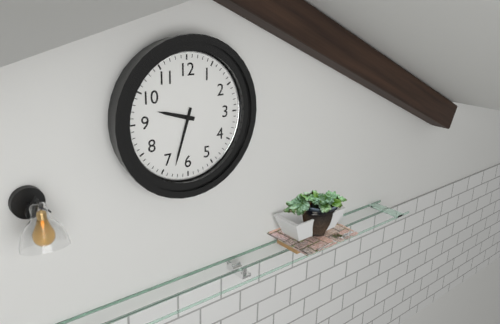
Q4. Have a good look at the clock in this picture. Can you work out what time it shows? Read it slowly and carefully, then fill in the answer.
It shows 9:33
